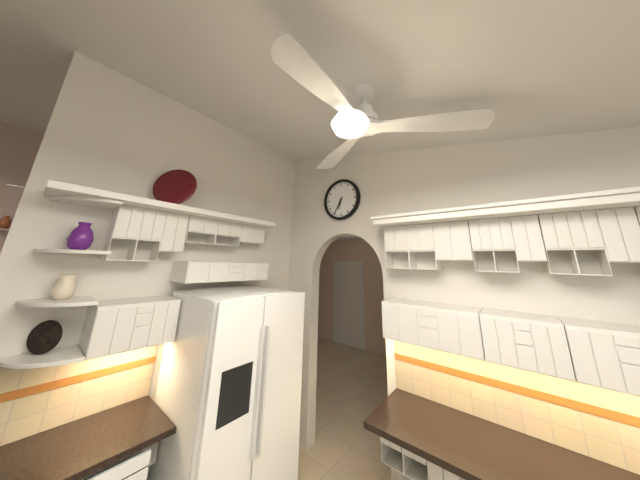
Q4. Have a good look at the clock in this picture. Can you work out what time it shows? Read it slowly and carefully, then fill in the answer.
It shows 6:35
